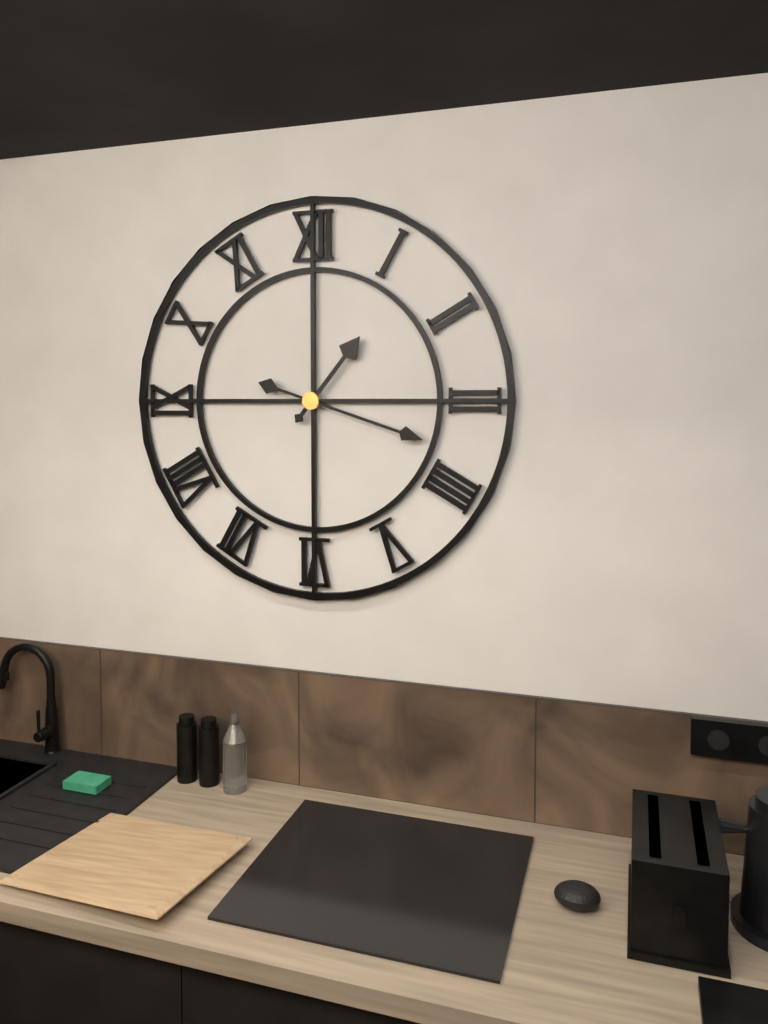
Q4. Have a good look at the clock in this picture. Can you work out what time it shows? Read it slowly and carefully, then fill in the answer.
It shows 1:18
